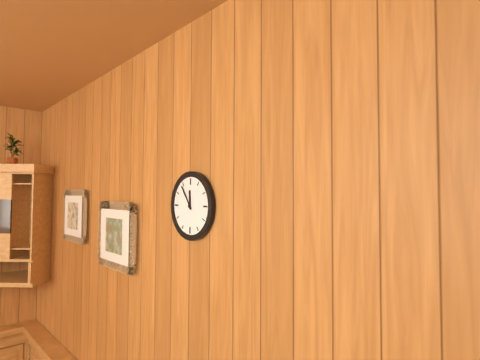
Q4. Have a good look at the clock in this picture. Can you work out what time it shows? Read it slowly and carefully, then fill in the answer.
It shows 11:54
